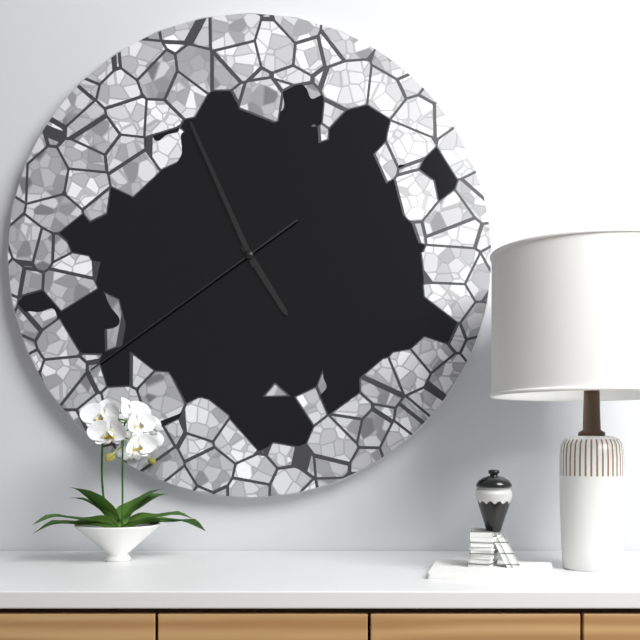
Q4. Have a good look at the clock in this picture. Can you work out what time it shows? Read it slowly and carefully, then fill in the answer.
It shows 4:56:39
